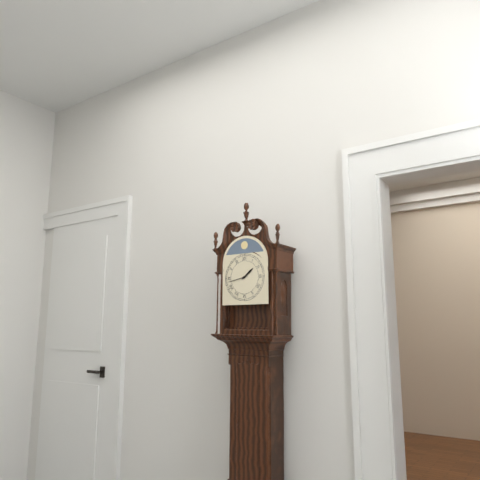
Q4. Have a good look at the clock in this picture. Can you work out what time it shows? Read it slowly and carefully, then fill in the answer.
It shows 1:43
